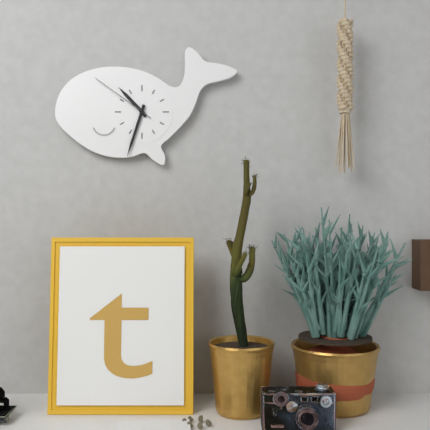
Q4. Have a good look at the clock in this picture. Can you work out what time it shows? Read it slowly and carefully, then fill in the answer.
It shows 10:33:51
